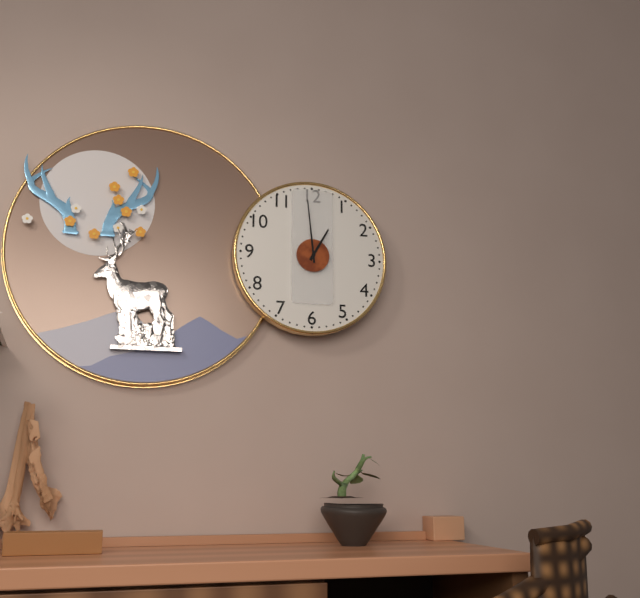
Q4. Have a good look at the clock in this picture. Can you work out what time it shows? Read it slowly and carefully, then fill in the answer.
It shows 12:59
